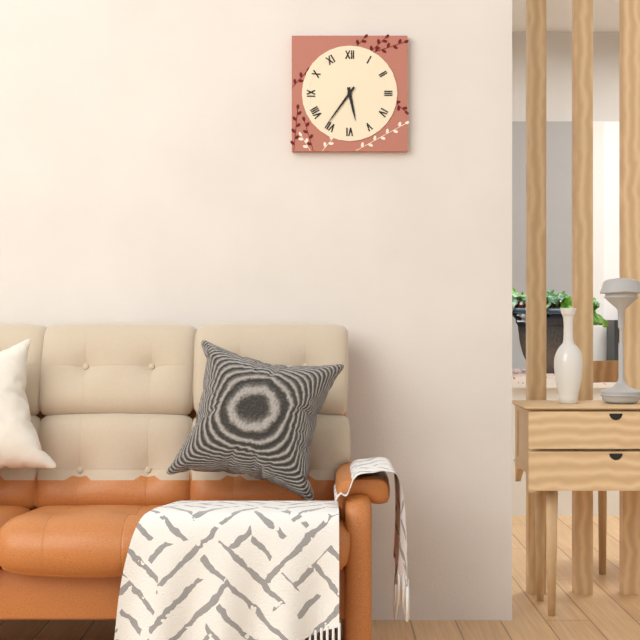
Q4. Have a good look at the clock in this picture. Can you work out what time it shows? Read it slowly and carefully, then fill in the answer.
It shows 5:36
